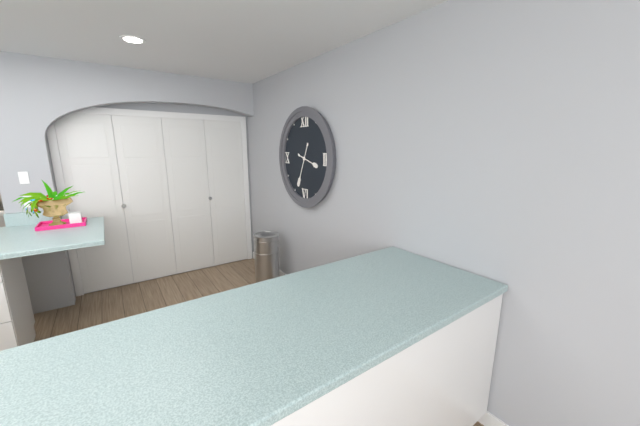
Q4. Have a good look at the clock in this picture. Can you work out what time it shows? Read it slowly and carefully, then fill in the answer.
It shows 3:34
